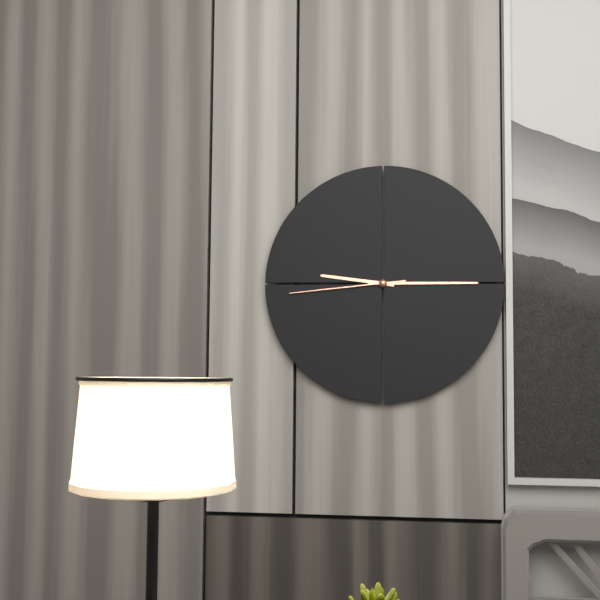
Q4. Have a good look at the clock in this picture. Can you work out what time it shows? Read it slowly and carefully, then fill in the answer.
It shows 9:15:44
